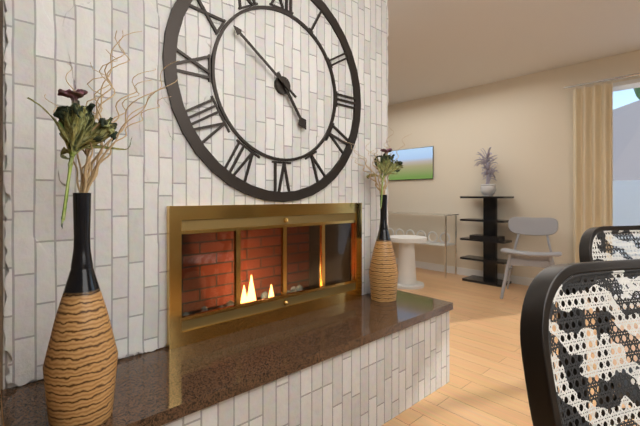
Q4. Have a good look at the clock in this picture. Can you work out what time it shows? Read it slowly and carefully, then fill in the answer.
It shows 4:51
